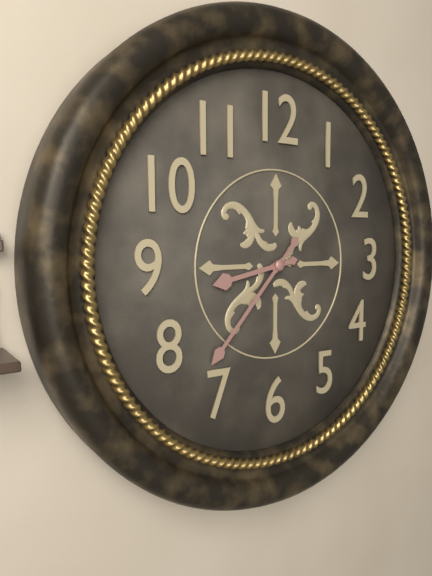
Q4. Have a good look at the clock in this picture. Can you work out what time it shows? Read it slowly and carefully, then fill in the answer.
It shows 8:37
